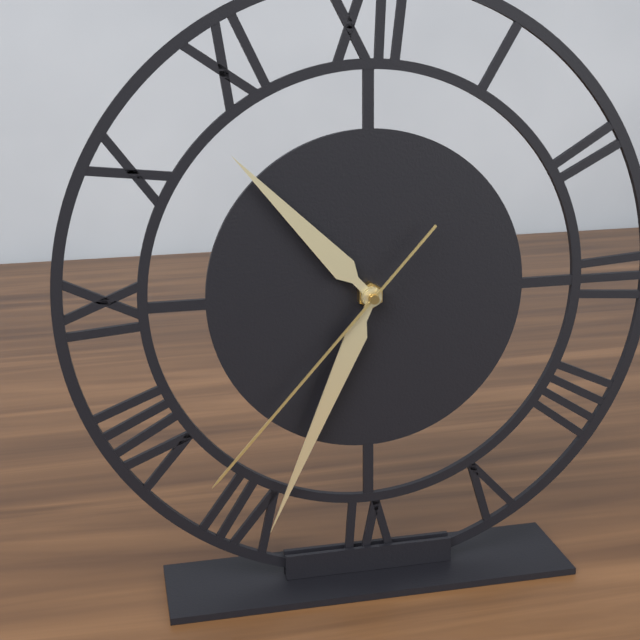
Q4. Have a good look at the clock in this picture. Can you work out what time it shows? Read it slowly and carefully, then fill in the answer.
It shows 10:34:37
